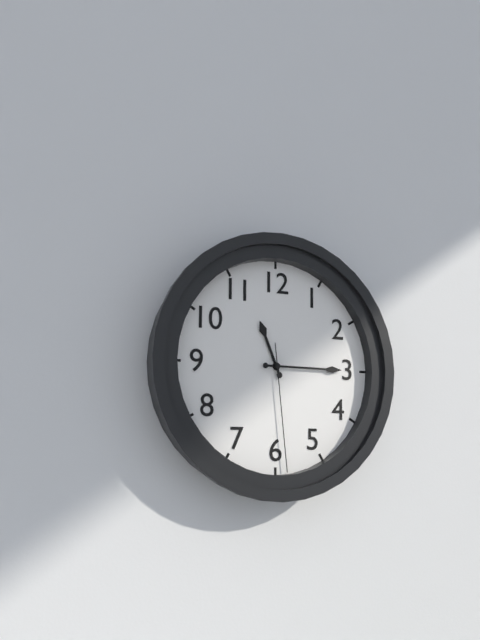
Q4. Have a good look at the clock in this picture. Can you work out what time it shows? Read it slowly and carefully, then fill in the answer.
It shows 11:15:29
